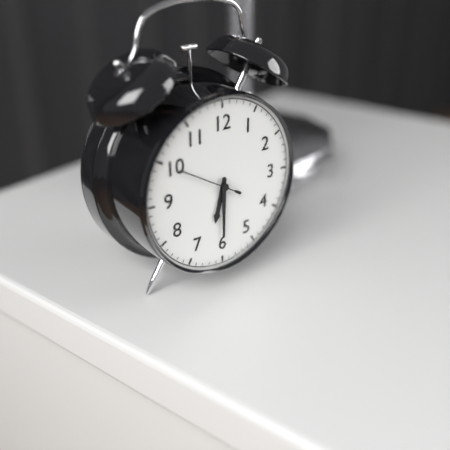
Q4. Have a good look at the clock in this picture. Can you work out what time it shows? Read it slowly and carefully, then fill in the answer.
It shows 6:30:50
